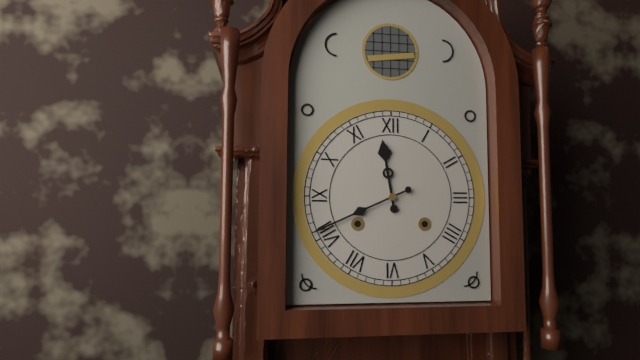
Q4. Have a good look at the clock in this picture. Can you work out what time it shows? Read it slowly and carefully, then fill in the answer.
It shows 11:41
